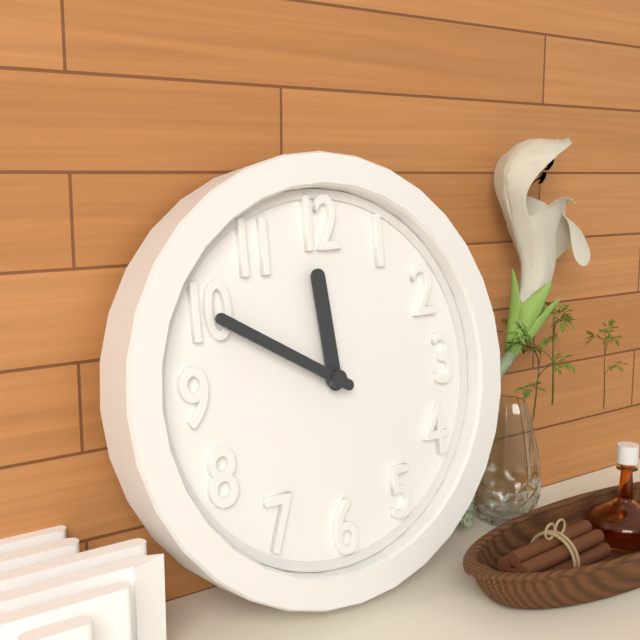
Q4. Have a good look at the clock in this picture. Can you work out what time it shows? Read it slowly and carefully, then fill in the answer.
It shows 11:50
